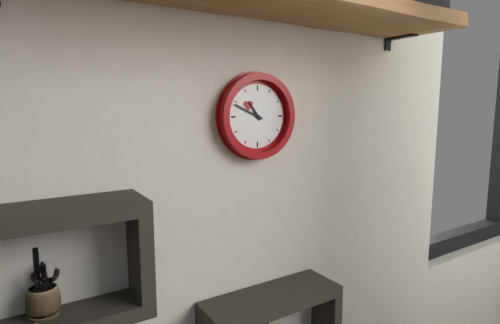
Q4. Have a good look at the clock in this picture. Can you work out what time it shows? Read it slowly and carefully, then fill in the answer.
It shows 10:49
